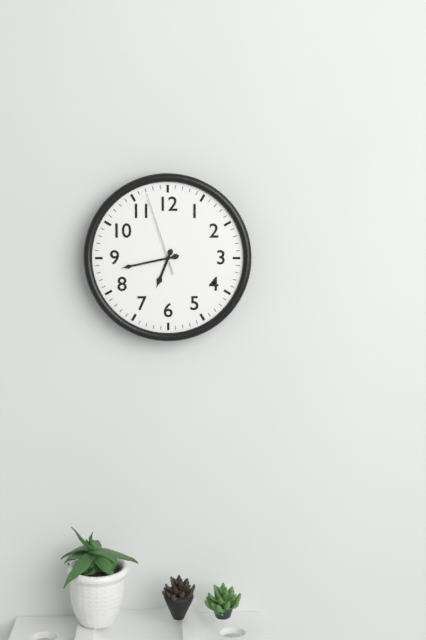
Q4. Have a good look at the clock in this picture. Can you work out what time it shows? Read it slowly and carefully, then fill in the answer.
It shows 6:43:57
